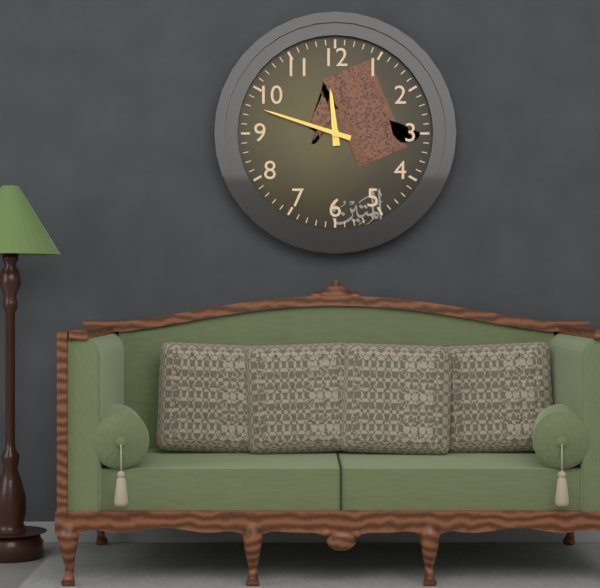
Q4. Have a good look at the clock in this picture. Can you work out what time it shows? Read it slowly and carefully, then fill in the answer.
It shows 11:48
